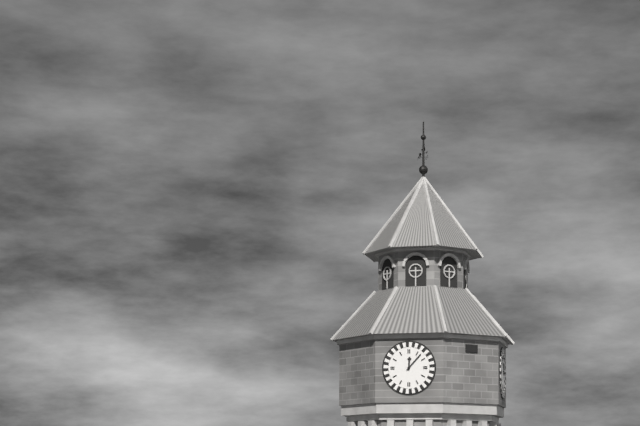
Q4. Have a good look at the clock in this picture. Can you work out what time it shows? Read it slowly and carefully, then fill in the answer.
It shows 12:07
